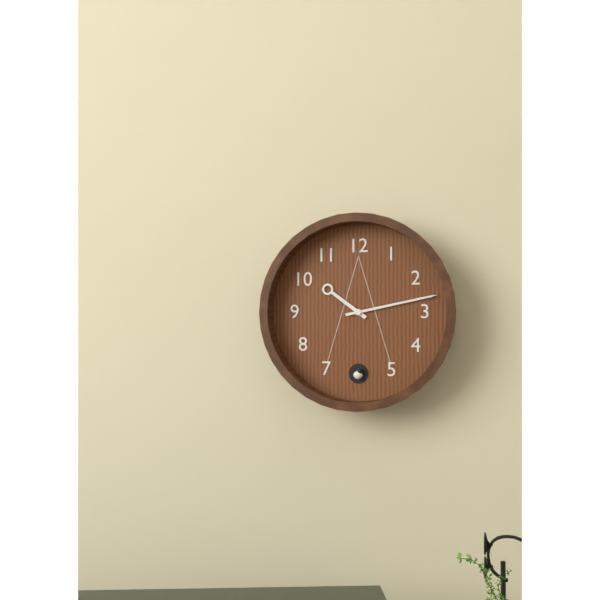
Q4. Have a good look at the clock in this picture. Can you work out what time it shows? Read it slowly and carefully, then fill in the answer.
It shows 10:13
